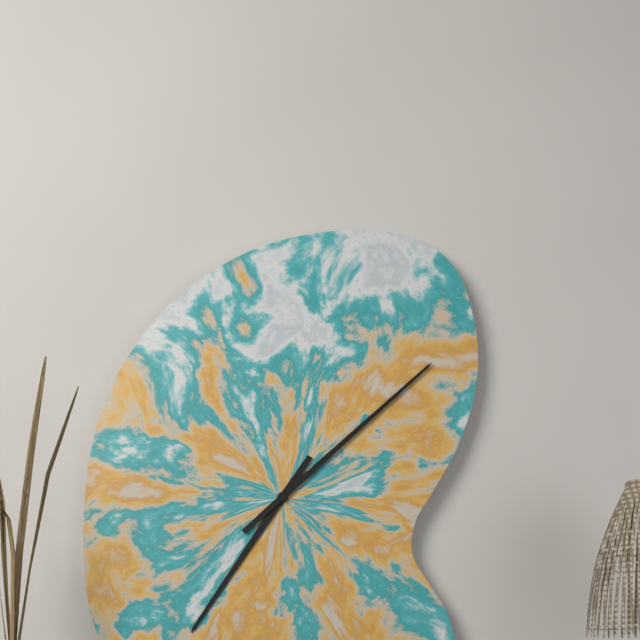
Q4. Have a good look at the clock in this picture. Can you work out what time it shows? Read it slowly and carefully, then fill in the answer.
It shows 7:08
